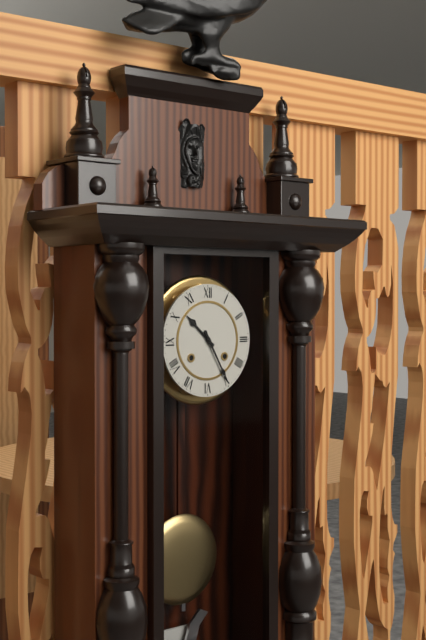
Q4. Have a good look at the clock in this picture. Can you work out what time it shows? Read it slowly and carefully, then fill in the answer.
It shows 10:25
